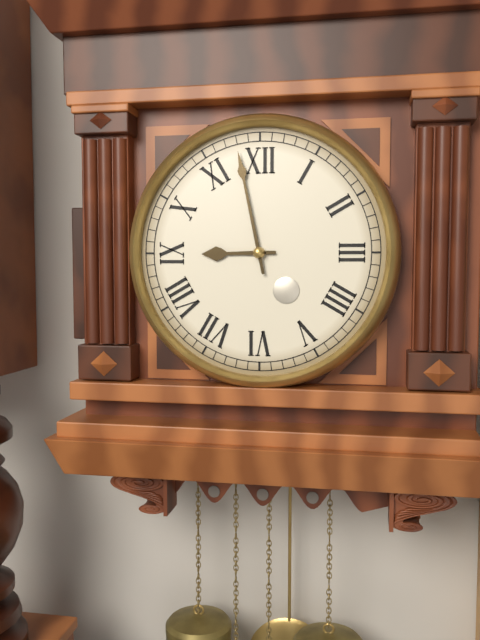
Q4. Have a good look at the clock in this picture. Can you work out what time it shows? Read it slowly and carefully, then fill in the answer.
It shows 8:58
